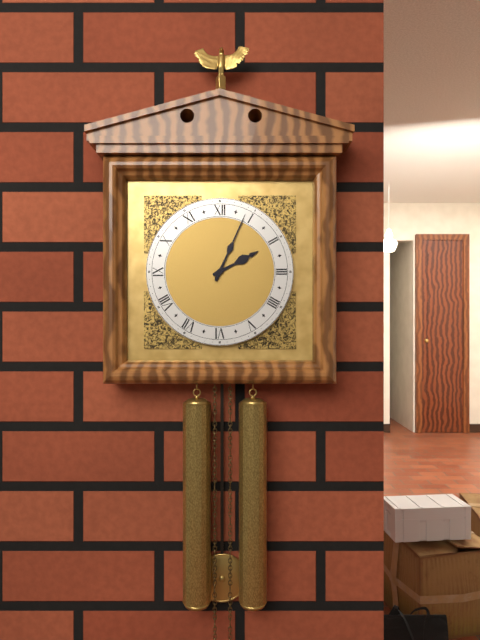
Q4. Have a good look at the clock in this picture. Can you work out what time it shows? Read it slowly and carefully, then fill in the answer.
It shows 2:04
